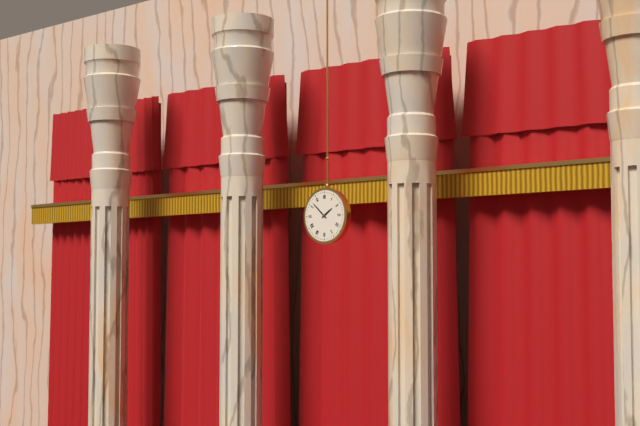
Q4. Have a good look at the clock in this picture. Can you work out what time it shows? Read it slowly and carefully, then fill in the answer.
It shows 1:52
